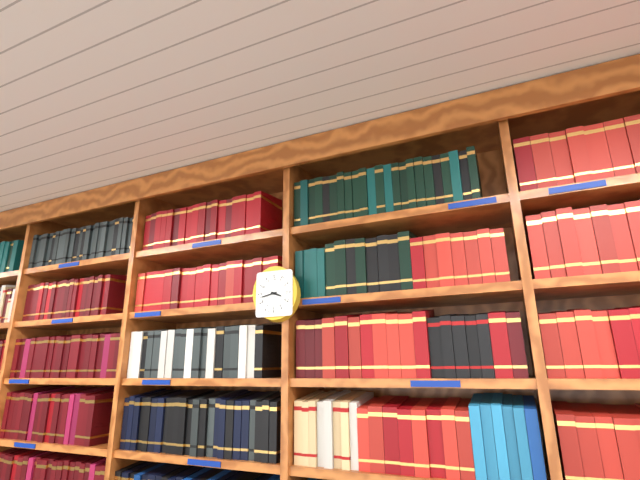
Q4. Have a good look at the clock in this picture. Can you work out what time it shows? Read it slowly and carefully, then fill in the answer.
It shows 3:43
